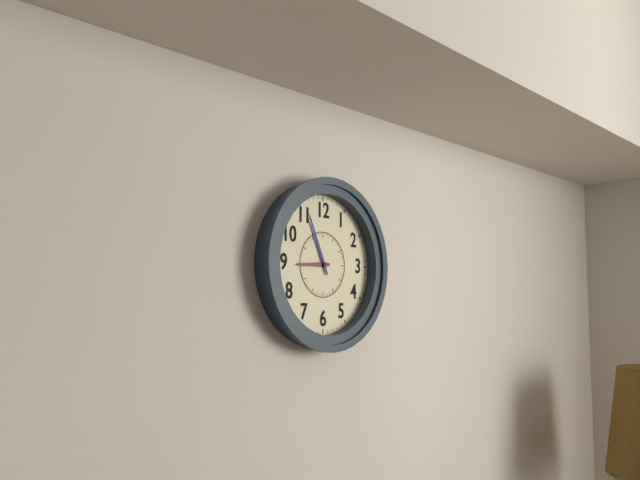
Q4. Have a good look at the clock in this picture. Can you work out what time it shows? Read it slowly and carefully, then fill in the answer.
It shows 8:56
